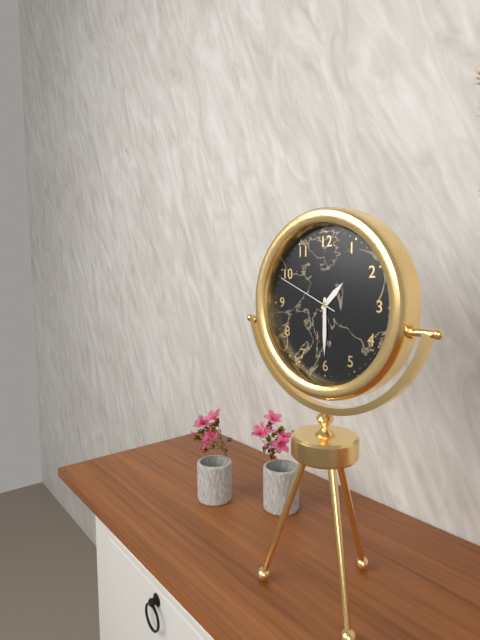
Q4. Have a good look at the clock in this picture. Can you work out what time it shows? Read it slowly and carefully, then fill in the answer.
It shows 1:30:49
